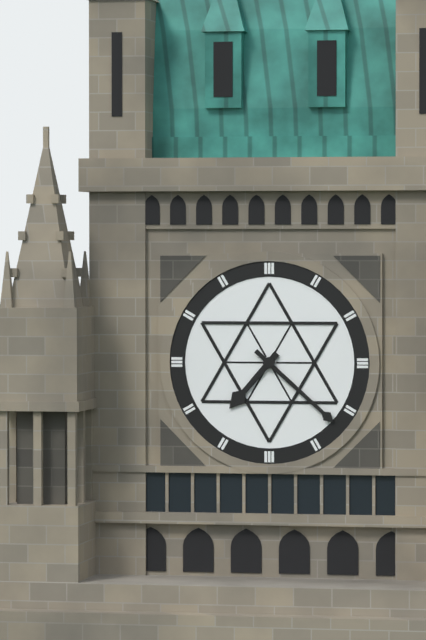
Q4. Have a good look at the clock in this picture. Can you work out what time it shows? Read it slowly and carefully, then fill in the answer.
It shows 7:22
